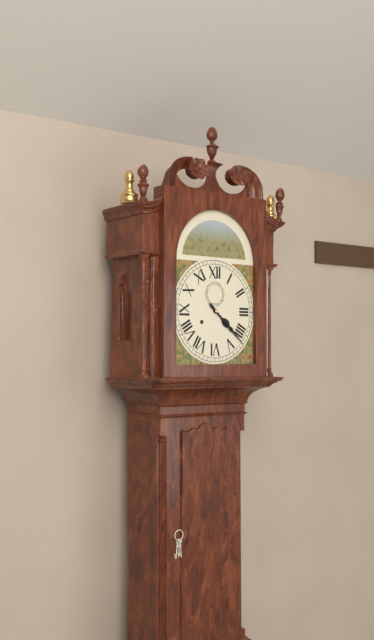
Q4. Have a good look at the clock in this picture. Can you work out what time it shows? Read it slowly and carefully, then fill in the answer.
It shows 4:22
